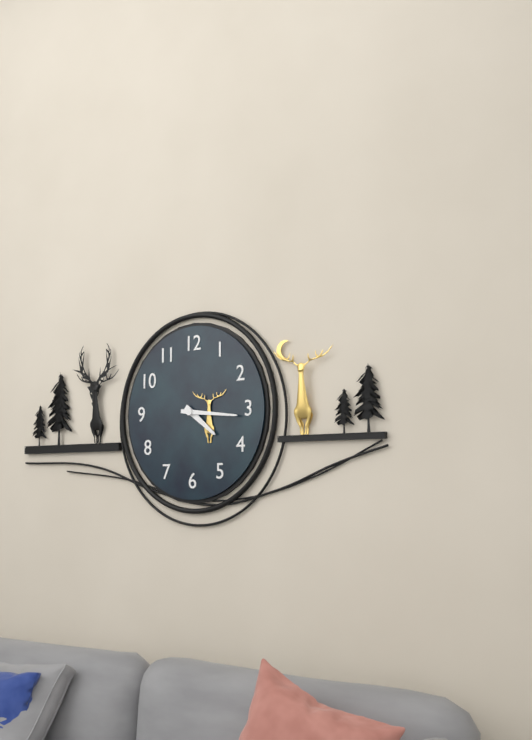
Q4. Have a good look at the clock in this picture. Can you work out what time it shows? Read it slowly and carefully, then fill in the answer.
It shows 4:16
